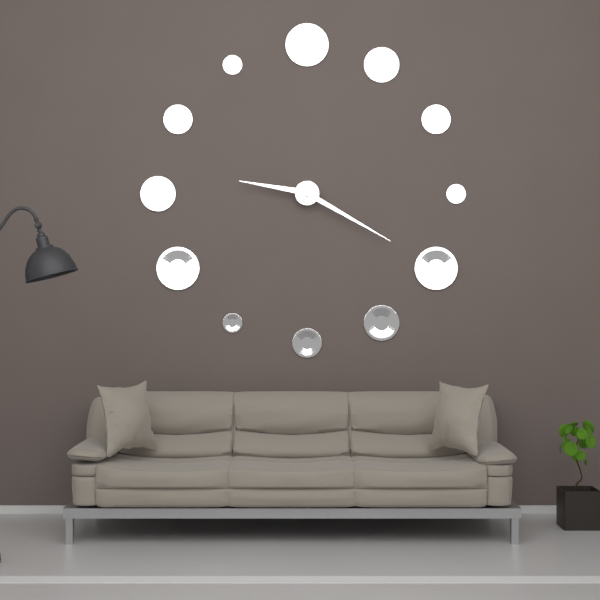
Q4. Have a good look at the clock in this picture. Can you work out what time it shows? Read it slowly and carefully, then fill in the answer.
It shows 9:20
